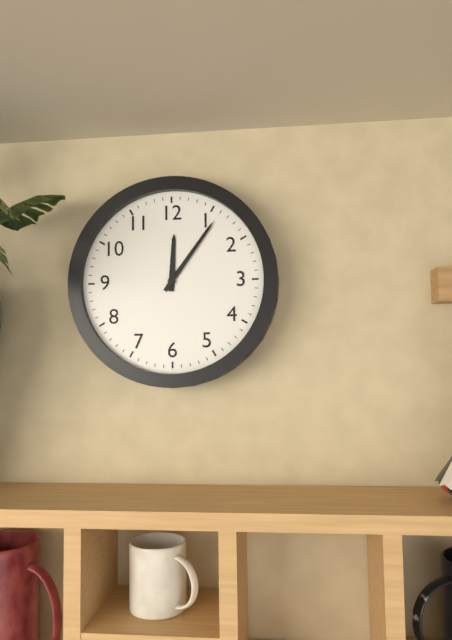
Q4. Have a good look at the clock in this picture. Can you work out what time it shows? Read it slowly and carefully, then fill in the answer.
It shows 12:06
